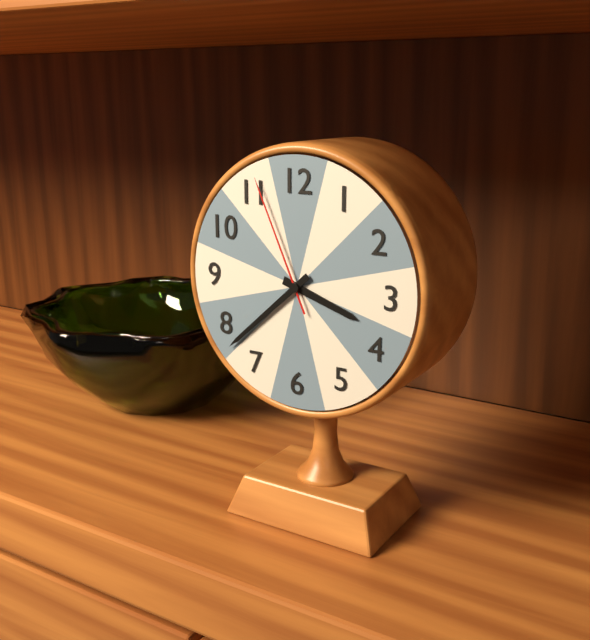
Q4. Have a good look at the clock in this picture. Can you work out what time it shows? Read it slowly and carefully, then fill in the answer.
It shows 3:38:56
